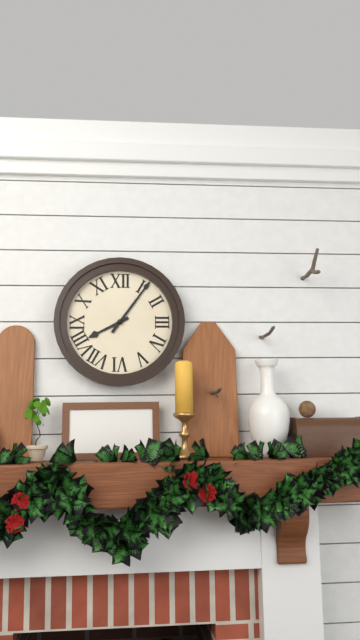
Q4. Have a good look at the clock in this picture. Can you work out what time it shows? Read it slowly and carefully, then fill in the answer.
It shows 8:06
